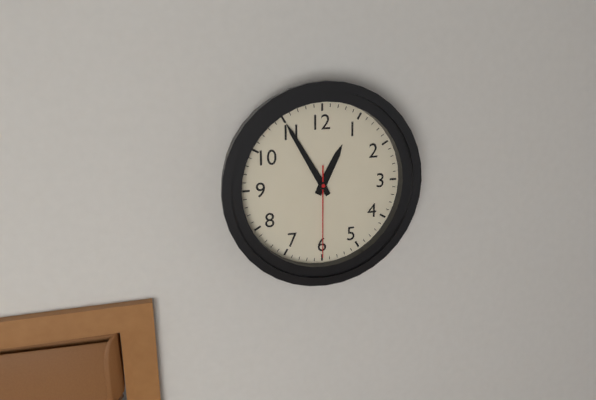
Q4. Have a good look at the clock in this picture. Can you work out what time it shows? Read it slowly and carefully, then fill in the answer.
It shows 12:55:30
